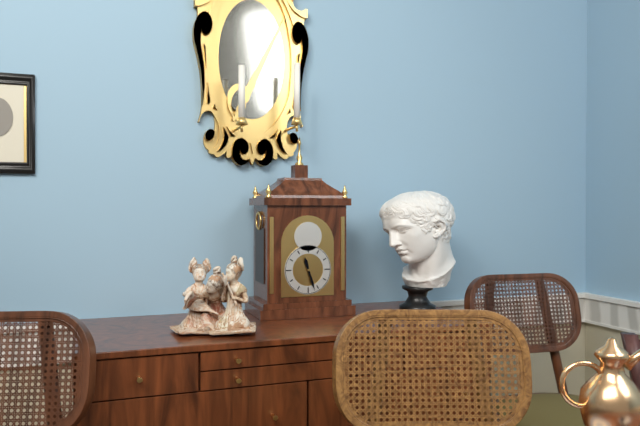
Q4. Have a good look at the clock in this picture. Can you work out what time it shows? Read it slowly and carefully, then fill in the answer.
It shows 11:27
